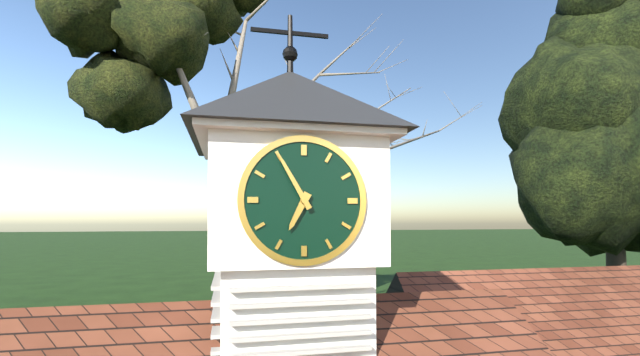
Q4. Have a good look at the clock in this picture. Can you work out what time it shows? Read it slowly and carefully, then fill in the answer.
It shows 6:55
